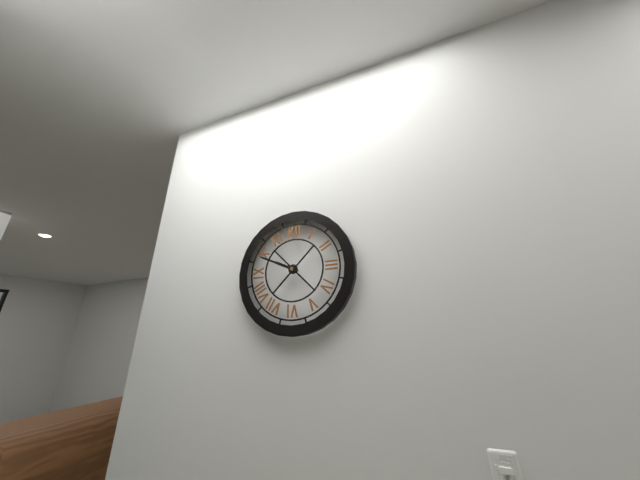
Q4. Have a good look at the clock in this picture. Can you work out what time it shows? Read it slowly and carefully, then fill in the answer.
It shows 9:49
